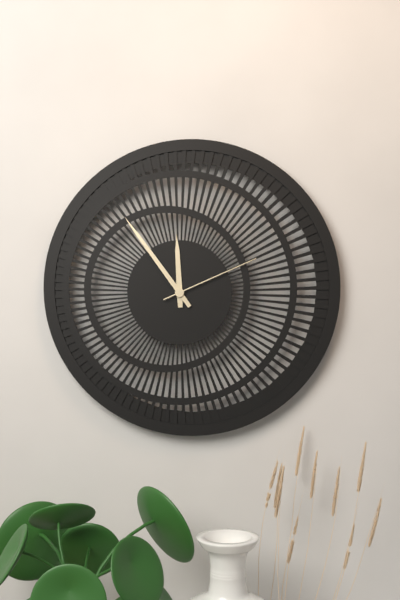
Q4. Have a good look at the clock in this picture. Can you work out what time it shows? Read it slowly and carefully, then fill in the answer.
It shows 11:54:11
